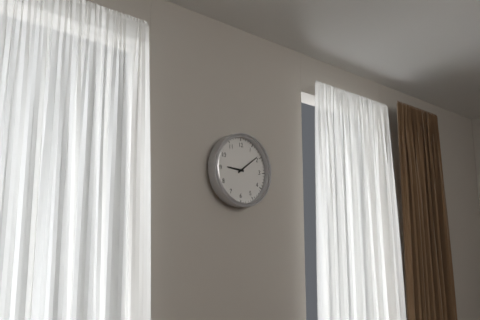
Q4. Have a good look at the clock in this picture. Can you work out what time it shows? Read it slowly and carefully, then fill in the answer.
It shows 9:09
